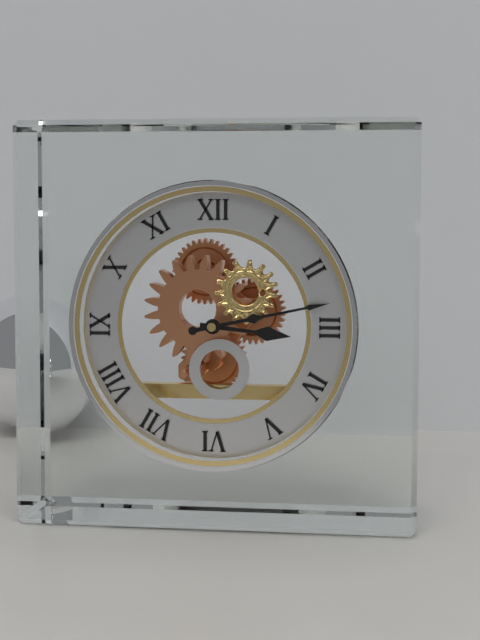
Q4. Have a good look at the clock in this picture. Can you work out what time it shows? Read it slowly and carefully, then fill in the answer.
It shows 3:13
